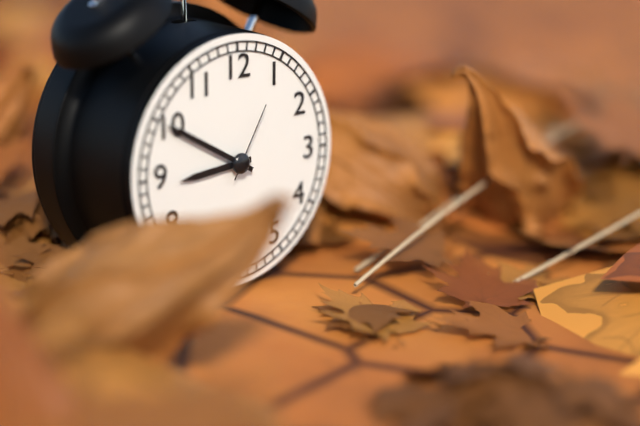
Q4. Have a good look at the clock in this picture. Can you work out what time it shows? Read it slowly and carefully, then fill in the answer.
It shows 8:50:05
